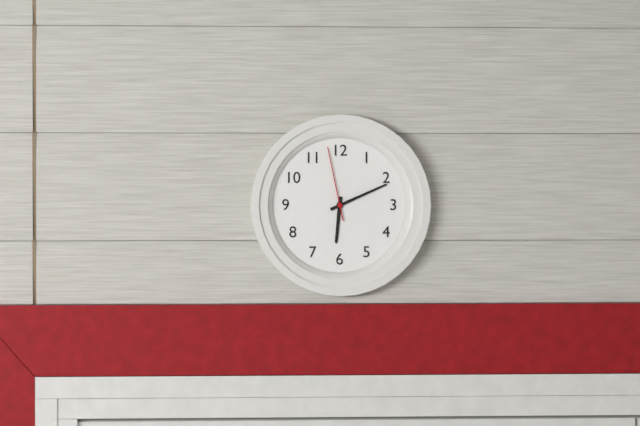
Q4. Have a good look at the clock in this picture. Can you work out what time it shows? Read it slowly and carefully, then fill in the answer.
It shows 6:11:58
